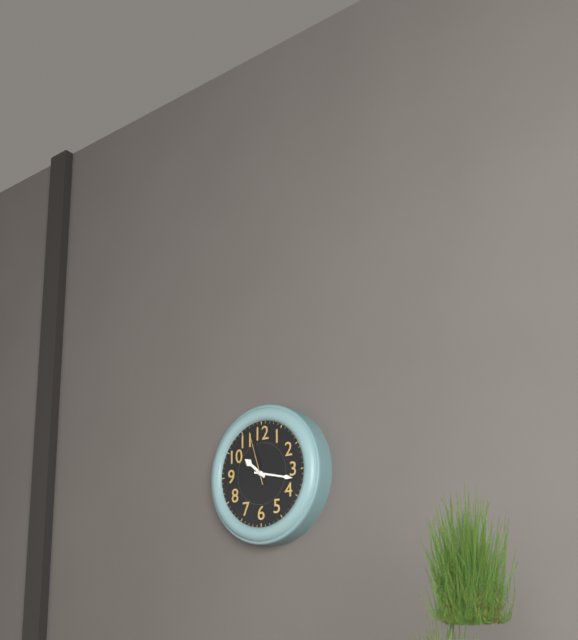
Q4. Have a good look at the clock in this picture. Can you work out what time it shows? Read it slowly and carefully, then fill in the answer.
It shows 10:17:57
